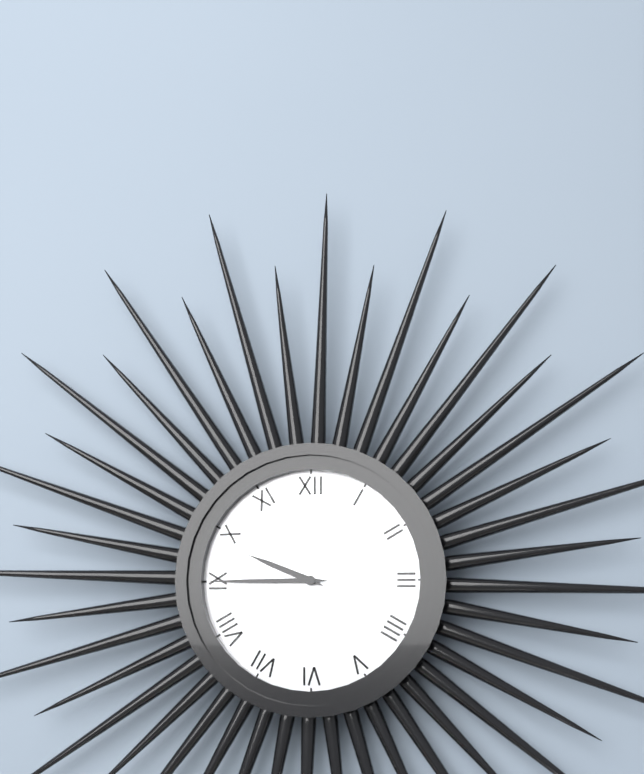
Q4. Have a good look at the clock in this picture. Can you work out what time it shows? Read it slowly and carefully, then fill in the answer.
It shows 9:45
